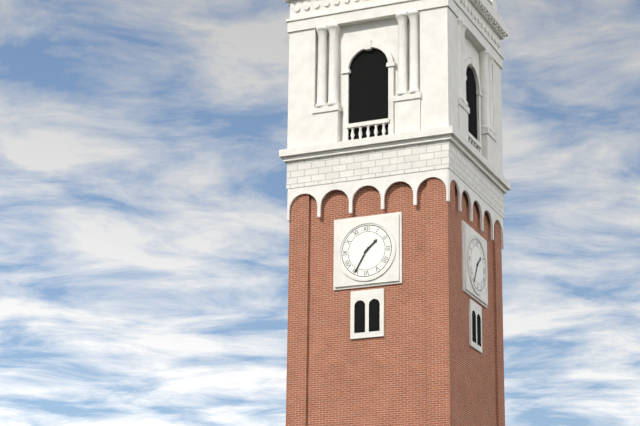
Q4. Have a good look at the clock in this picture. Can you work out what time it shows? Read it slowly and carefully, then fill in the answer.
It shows 1:35
